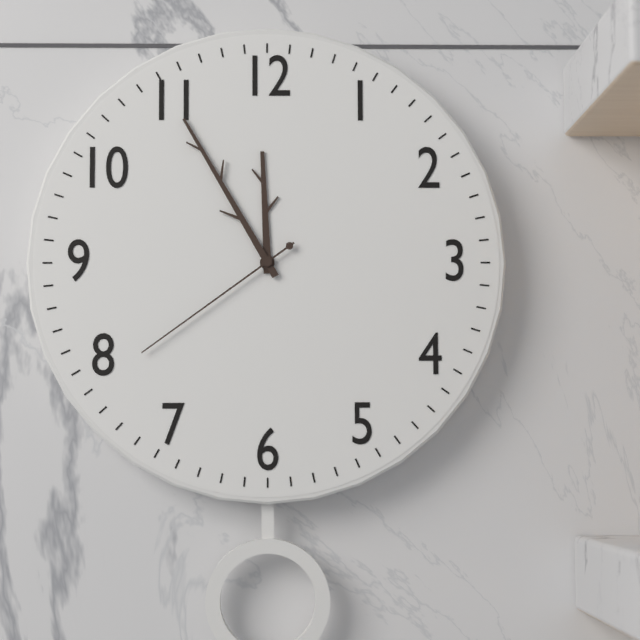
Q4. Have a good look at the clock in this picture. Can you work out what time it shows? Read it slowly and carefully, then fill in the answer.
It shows 11:55:39
